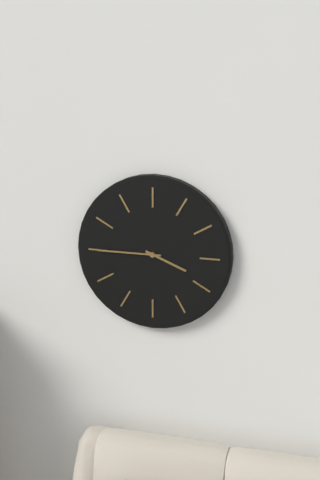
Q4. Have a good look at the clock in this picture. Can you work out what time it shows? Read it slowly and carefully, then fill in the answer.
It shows 3:45
